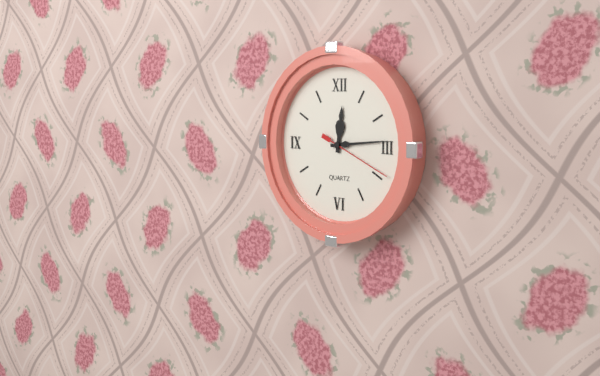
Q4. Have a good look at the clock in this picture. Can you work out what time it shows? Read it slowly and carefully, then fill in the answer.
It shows 12:14:19
